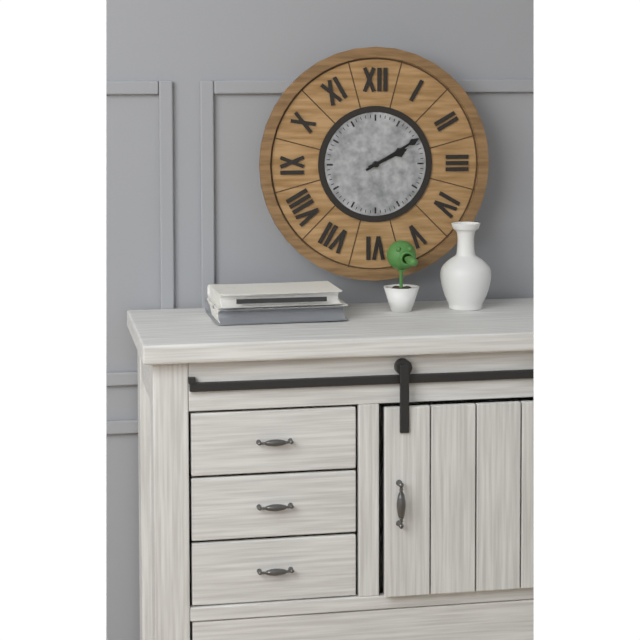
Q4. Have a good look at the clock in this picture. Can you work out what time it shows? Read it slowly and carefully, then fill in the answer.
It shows 2:10
